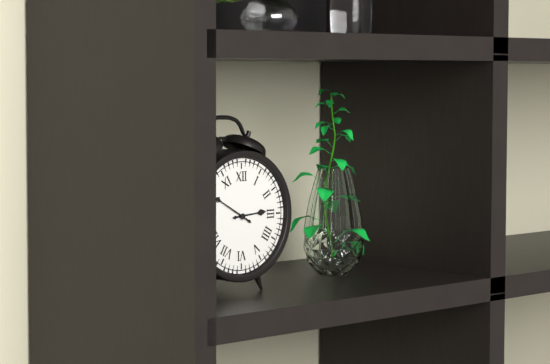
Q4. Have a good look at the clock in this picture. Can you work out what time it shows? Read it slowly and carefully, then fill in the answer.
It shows 2:50
